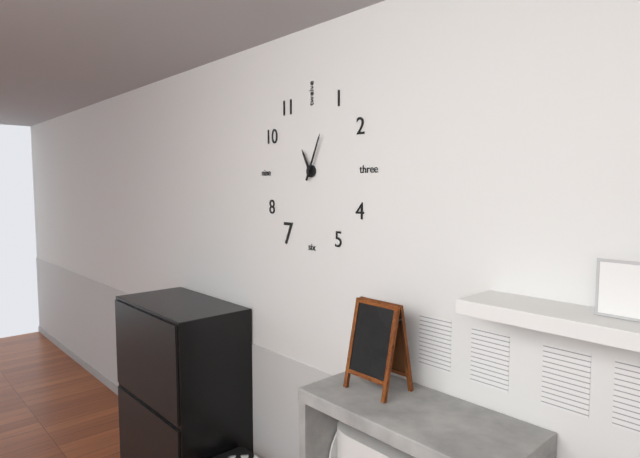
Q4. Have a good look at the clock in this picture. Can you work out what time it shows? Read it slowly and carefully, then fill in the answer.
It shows 11:04
